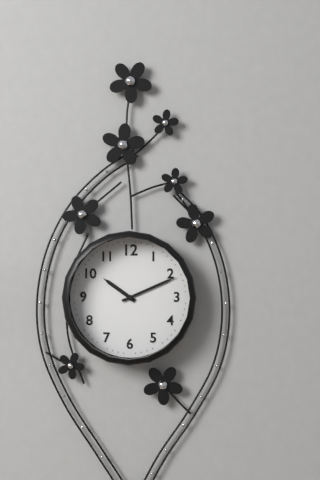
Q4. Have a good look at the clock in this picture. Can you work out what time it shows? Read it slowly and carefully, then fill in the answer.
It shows 10:11
